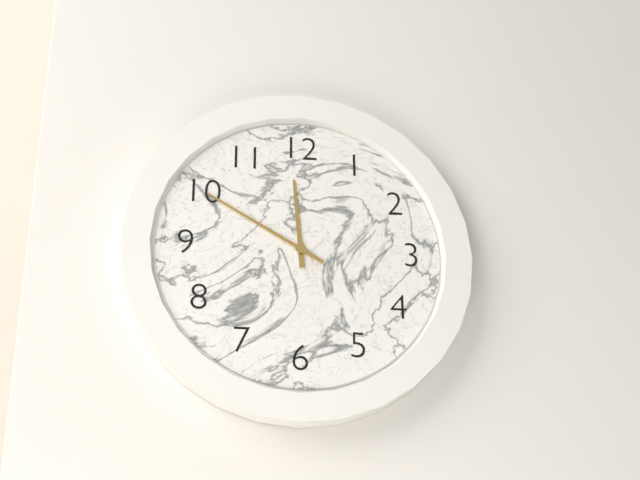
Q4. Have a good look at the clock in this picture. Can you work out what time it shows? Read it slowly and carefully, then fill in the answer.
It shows 11:50
